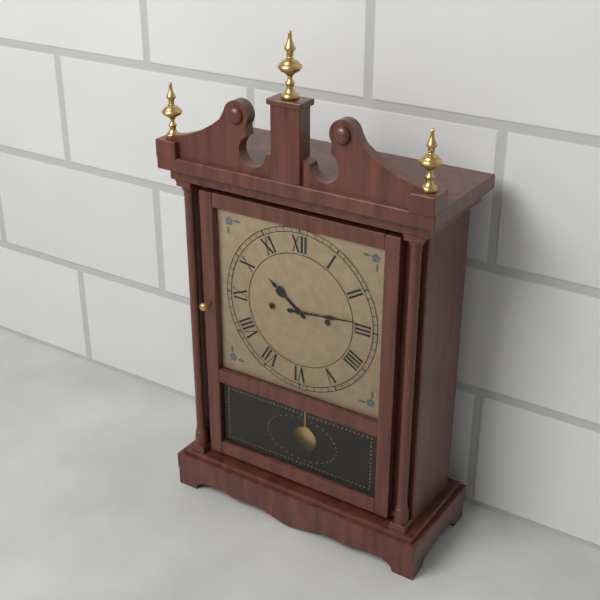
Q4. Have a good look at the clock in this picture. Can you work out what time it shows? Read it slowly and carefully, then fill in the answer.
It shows 10:14
